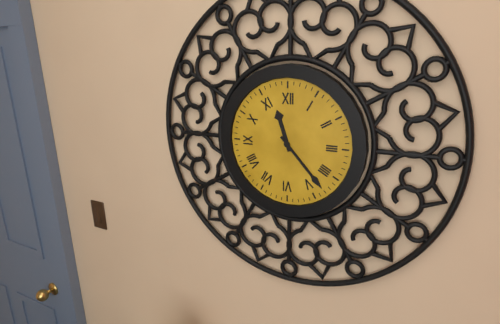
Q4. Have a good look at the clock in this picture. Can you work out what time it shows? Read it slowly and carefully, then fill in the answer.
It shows 11:23
